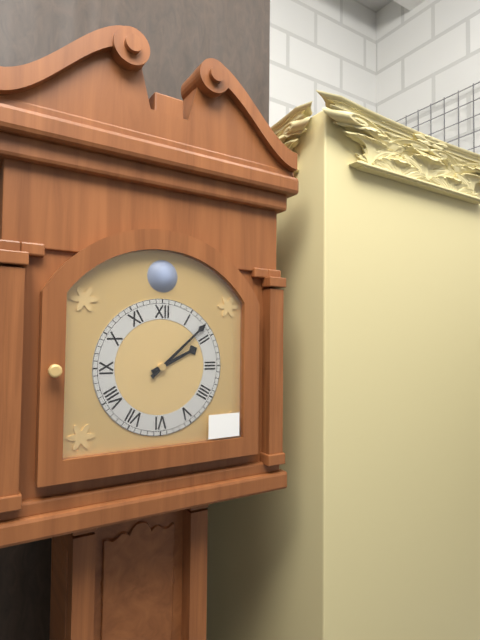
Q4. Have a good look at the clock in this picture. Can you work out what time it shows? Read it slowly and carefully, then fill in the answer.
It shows 2:08
